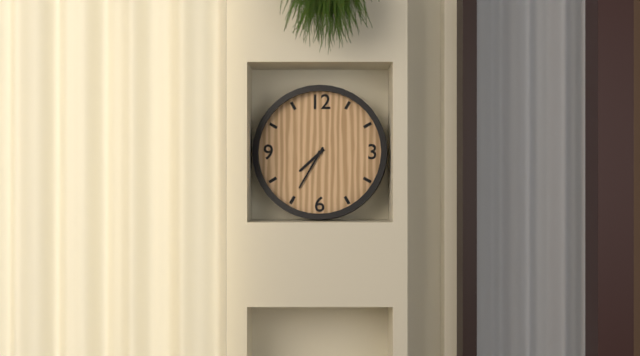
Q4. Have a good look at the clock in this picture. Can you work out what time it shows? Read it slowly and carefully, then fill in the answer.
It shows 7:35
